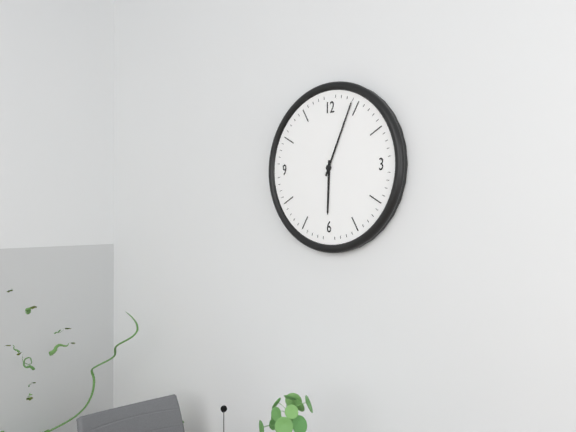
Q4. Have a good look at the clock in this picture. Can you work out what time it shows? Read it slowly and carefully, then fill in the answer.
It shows 6:04
